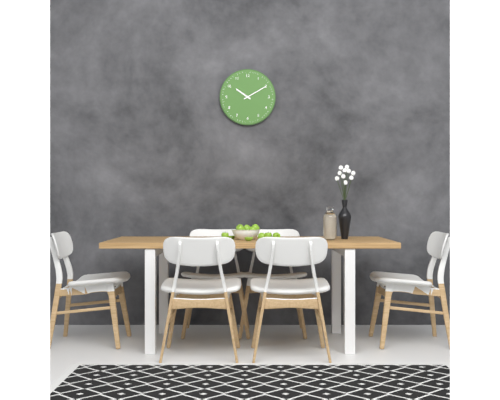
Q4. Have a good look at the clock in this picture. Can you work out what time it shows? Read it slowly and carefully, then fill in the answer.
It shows 10:10
